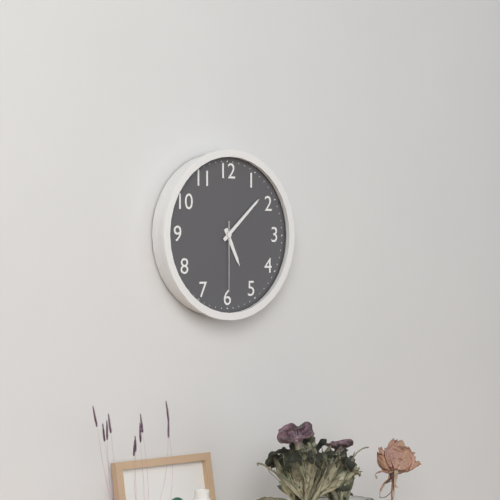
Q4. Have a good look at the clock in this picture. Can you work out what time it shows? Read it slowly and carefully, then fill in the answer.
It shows 5:08:30
